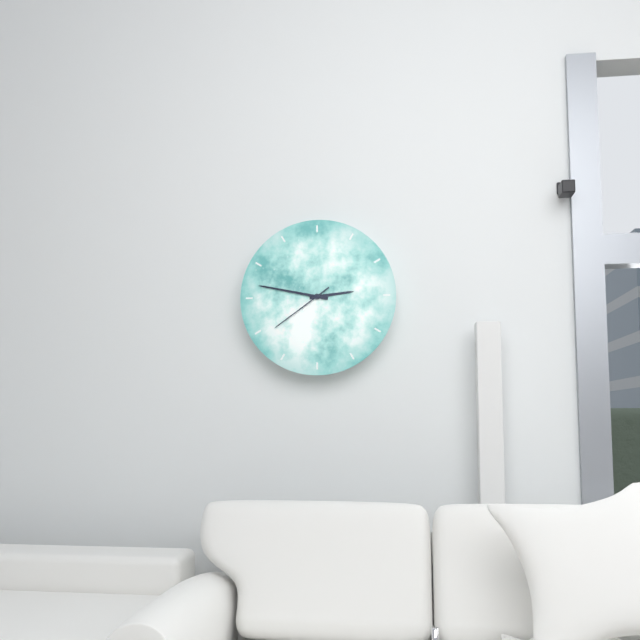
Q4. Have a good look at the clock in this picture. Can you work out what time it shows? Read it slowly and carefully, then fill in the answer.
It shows 2:47:39
